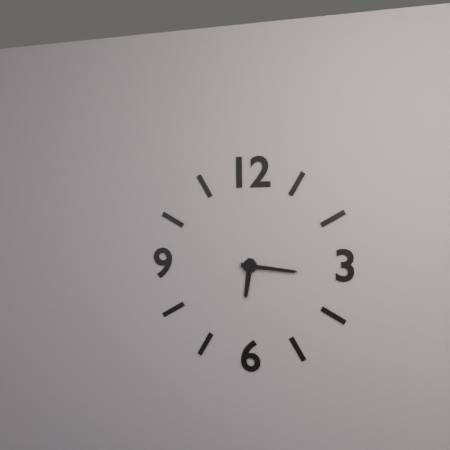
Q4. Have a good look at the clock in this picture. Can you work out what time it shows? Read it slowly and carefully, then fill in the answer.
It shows 6:16
